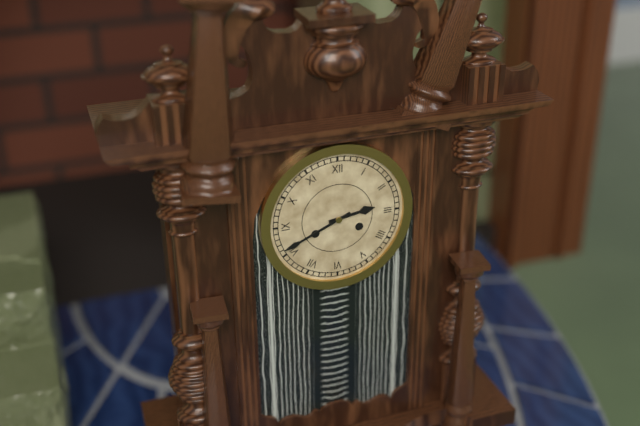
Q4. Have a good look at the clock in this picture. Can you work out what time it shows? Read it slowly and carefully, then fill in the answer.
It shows 2:41
